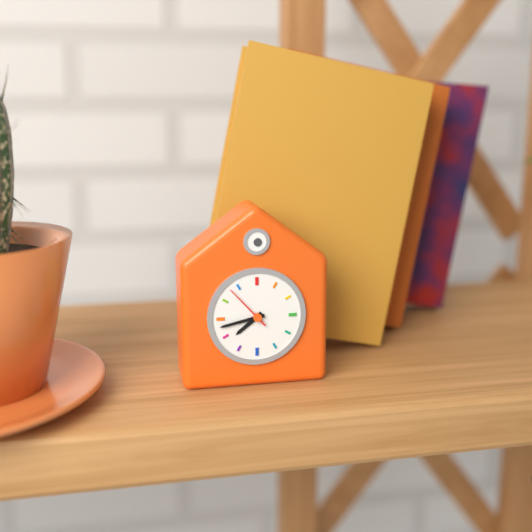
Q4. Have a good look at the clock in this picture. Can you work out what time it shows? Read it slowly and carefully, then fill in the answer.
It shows 7:43
